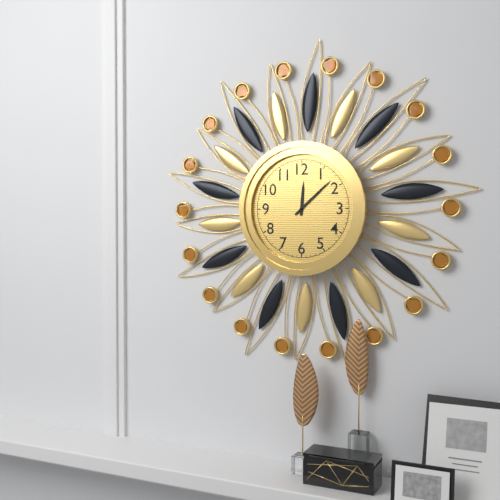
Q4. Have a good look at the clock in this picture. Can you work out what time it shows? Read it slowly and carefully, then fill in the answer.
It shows 12:08
